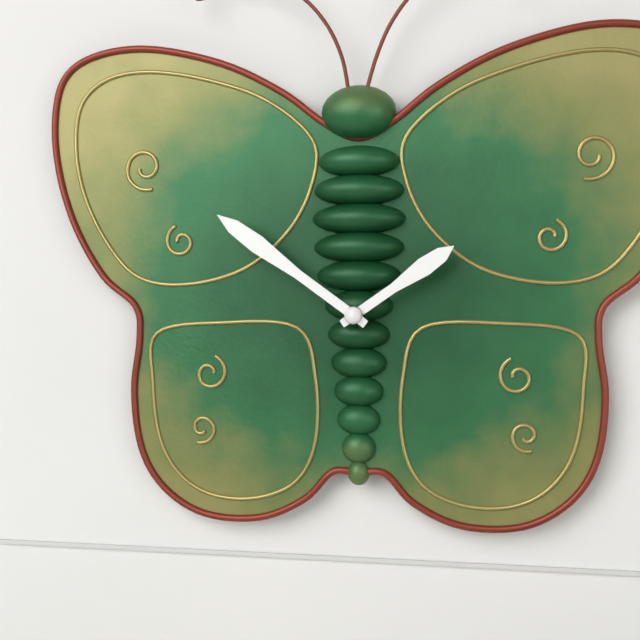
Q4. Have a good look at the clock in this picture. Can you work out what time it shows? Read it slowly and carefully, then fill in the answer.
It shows 1:51
